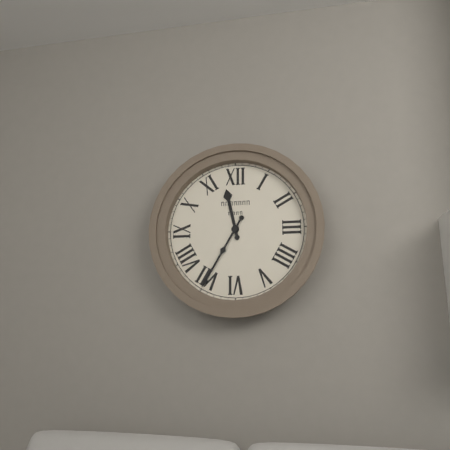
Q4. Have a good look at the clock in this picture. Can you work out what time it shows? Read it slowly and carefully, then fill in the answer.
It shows 11:35
